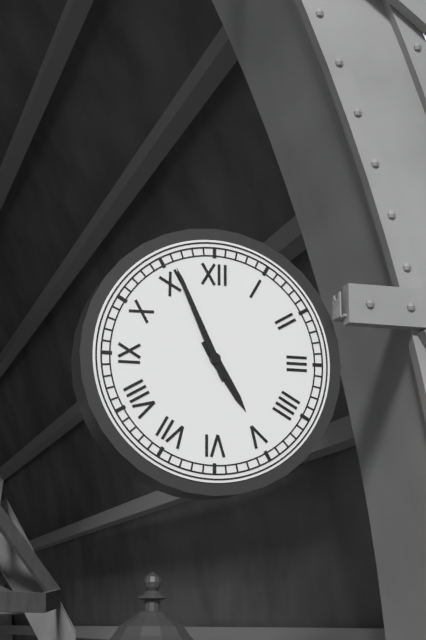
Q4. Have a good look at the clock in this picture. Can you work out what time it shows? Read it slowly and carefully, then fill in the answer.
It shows 4:56
